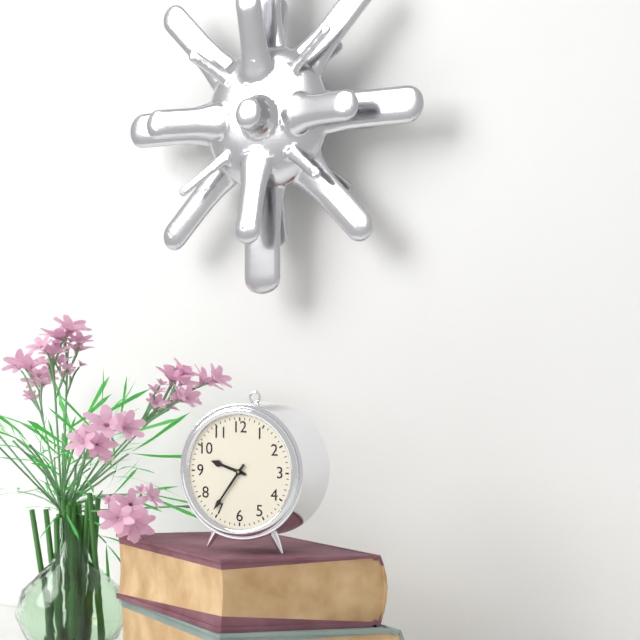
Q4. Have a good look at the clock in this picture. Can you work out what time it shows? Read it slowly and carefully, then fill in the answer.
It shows 9:36
